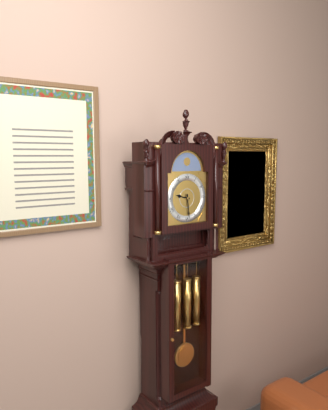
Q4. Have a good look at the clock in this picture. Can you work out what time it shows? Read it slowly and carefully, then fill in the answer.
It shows 9:29
